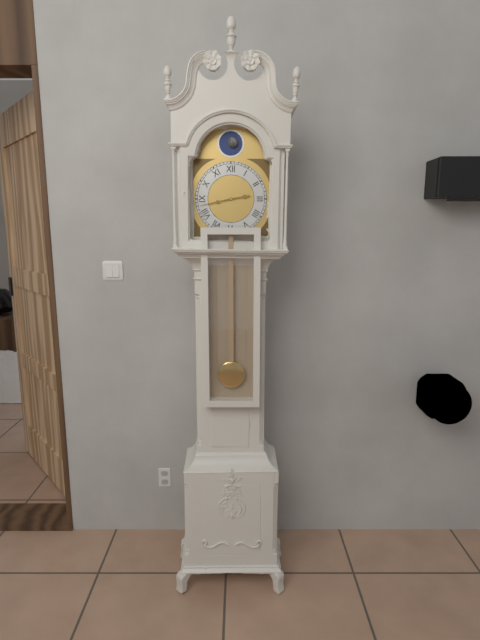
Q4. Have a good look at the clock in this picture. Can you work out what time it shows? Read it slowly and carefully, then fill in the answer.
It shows 2:43
